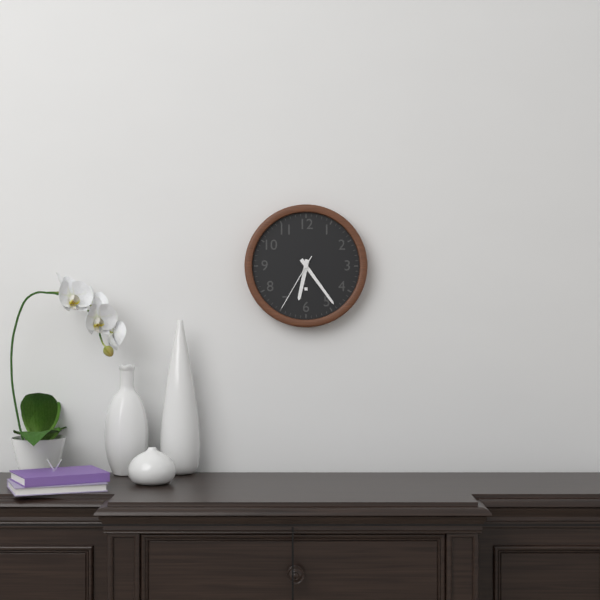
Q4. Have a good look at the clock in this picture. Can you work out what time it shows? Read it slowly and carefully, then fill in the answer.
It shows 6:24:35
